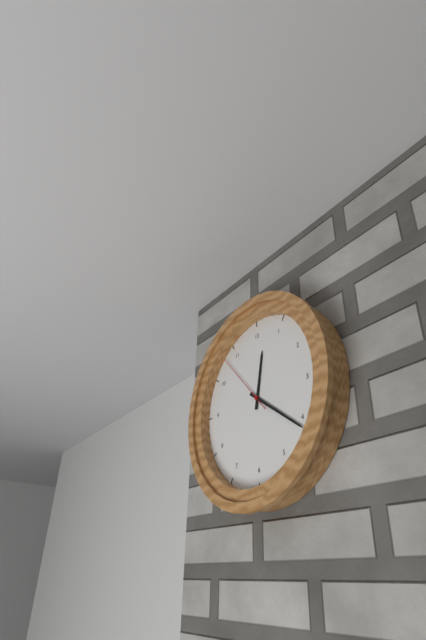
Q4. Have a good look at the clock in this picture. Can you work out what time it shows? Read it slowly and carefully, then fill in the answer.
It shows 12:21:53
